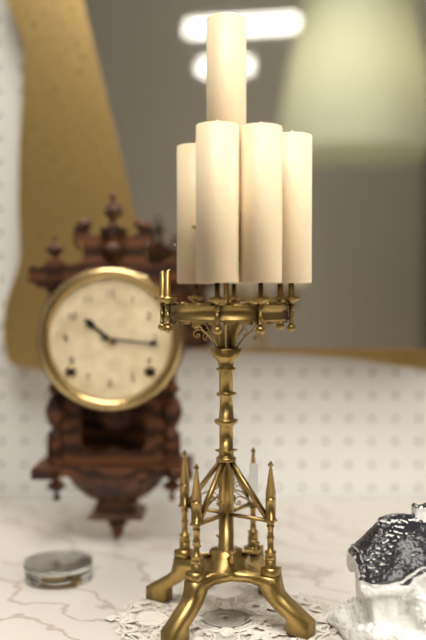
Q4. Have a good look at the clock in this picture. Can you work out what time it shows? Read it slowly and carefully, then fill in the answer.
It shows 10:16
